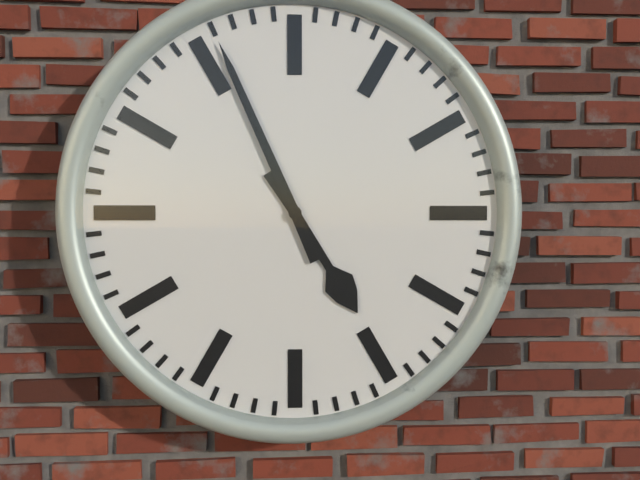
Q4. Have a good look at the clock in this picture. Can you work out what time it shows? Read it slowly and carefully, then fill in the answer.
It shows 4:56
